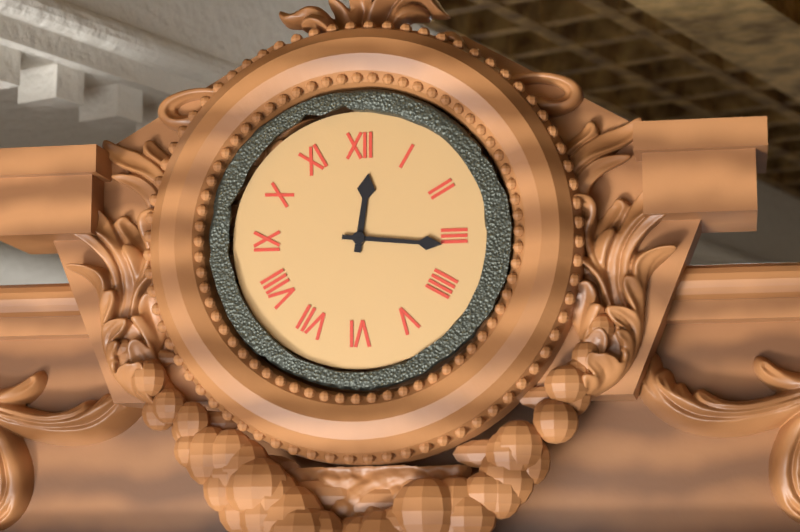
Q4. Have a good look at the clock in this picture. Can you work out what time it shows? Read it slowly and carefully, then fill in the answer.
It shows 12:16
